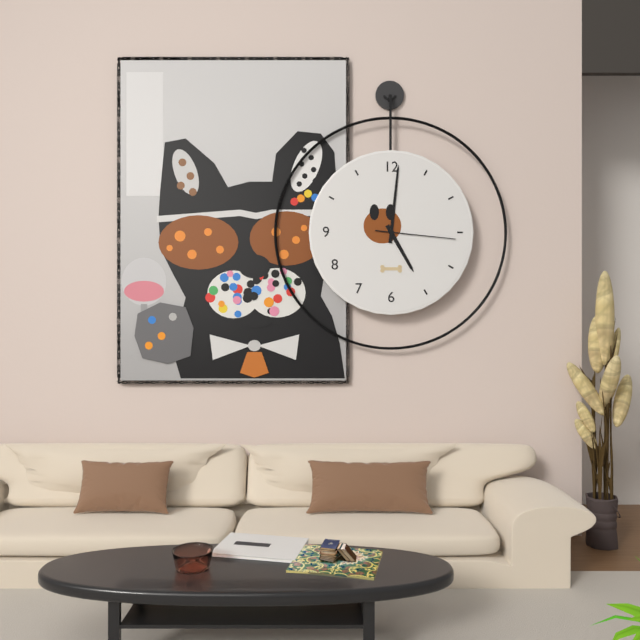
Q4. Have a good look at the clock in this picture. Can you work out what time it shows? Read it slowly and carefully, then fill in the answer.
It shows 5:01:16
